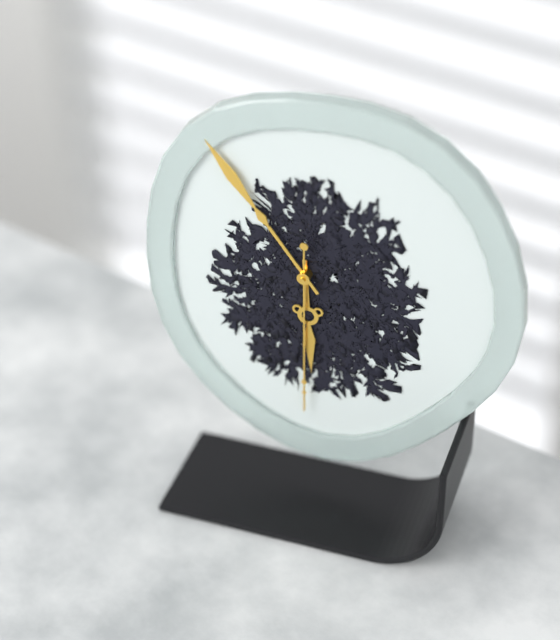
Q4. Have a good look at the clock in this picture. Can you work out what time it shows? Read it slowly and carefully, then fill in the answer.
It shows 5:54:30
